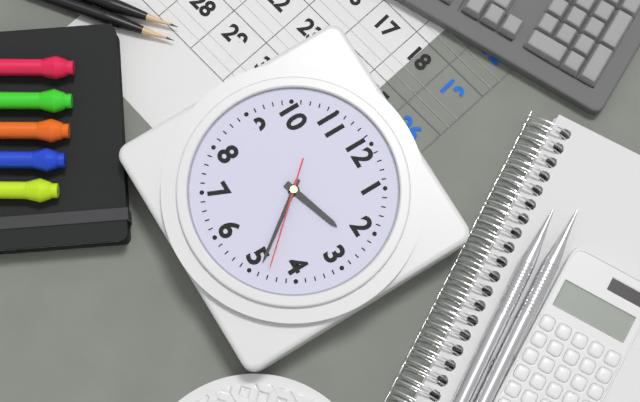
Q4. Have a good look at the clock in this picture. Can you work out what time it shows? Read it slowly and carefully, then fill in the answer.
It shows 2:24:23
